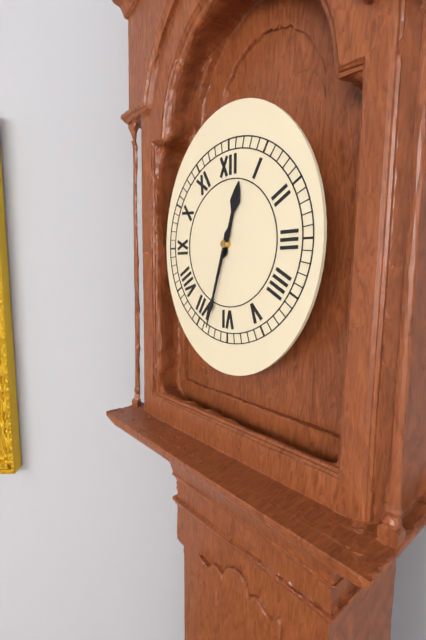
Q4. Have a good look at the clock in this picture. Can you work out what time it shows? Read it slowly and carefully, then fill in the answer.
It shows 12:33
